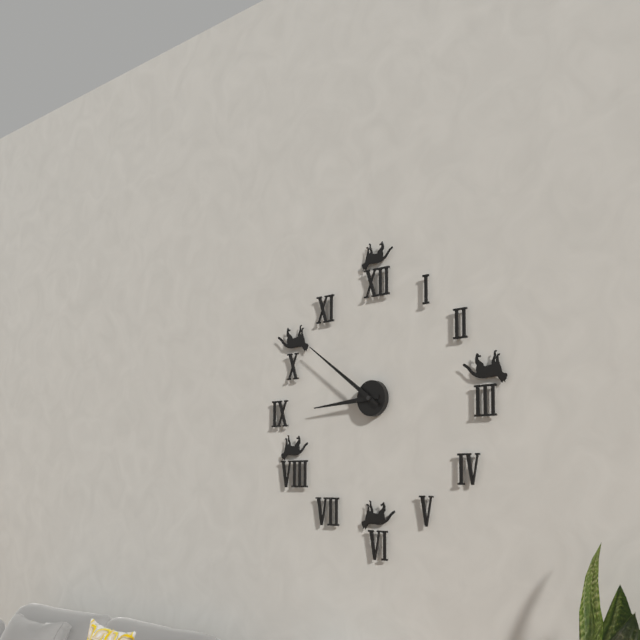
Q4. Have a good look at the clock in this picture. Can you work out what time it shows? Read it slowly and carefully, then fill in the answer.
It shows 8:51
